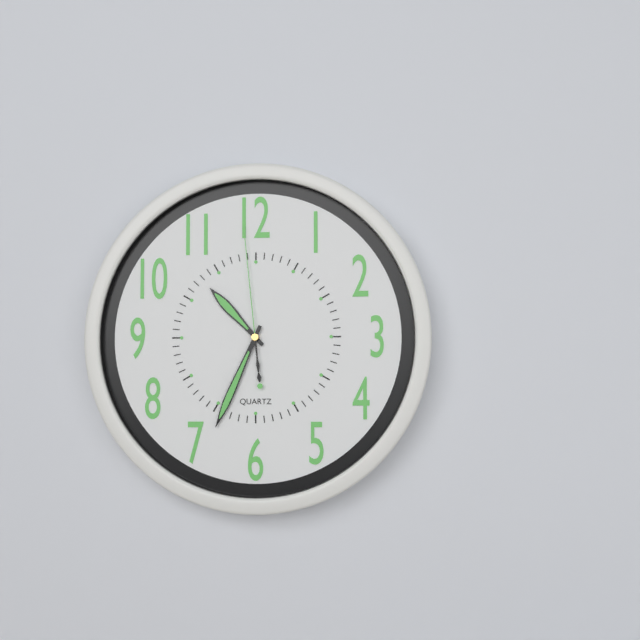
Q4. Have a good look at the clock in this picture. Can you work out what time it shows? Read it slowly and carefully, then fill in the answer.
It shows 10:34:59
